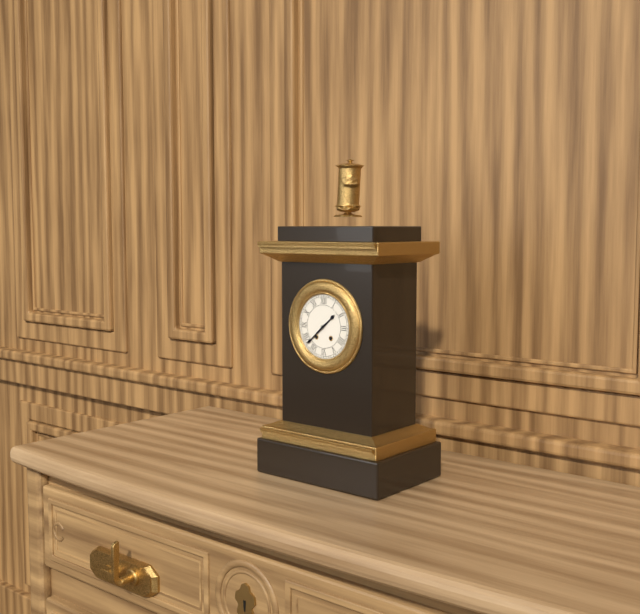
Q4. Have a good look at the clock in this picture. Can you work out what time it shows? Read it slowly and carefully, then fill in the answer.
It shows 1:38
